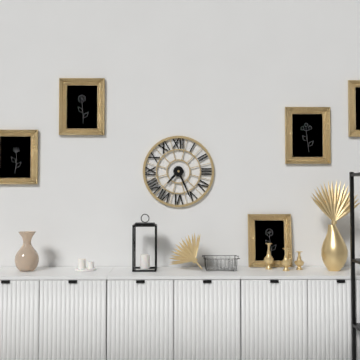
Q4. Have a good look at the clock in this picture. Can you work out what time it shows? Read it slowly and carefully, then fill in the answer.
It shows 7:26
